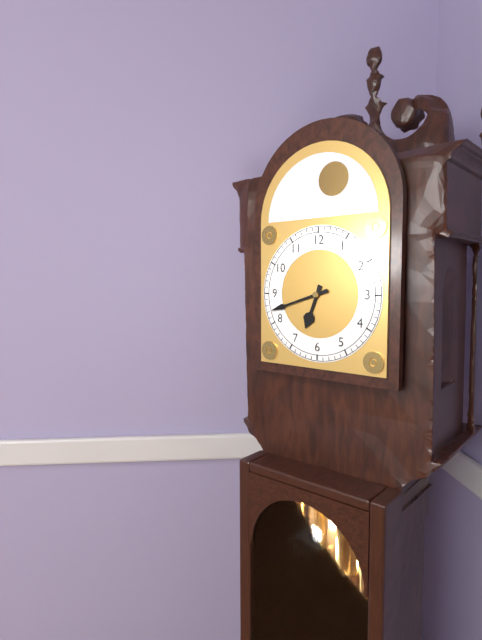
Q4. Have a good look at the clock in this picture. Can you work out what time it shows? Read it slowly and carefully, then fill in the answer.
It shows 6:42
